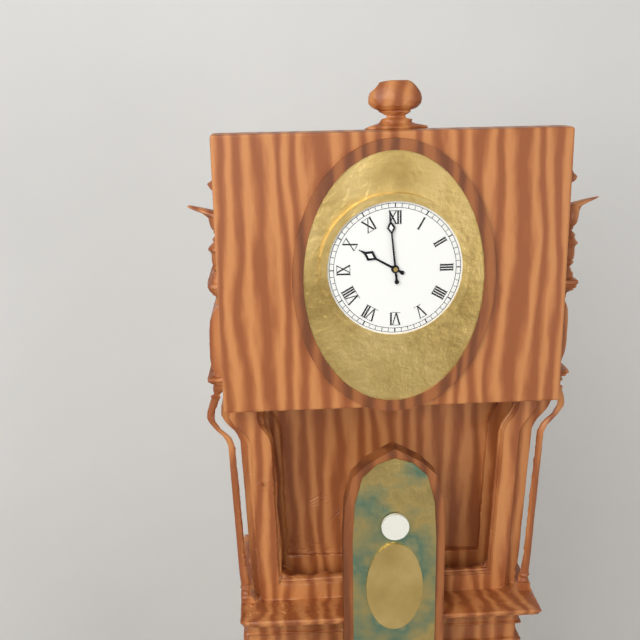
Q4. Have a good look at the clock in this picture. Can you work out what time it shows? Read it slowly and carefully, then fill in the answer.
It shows 9:59
